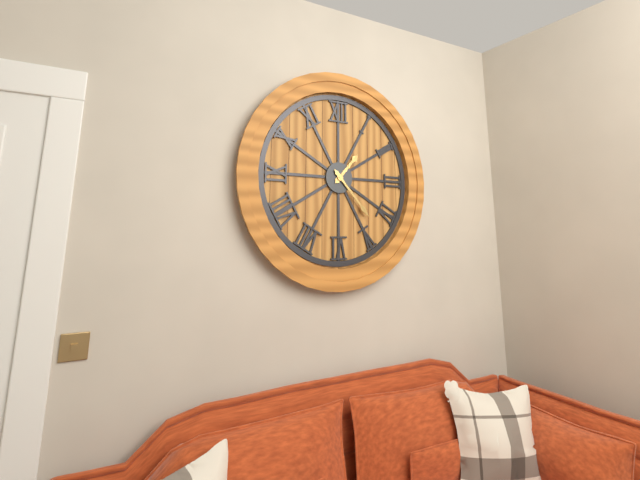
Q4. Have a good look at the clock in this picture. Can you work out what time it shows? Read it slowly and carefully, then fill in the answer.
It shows 1:23
